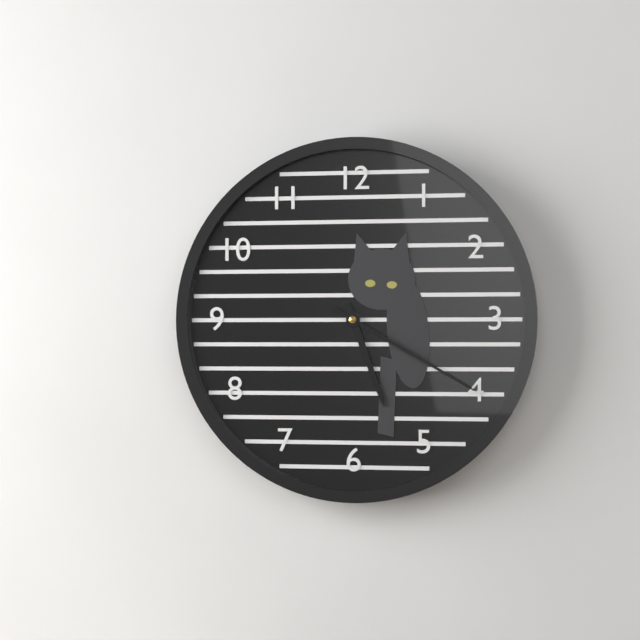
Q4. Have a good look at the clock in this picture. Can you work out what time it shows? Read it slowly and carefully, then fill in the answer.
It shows 5:20
